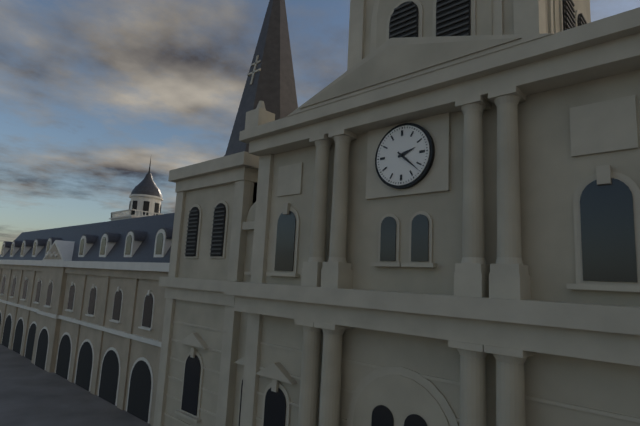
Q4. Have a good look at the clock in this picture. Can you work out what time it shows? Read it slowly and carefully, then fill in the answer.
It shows 2:22
